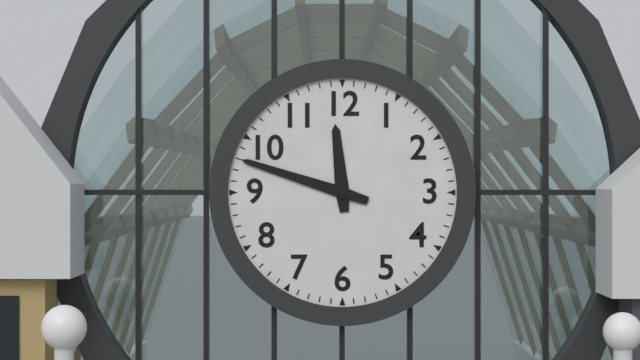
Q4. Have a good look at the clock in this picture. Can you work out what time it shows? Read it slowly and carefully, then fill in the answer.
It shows 11:48
